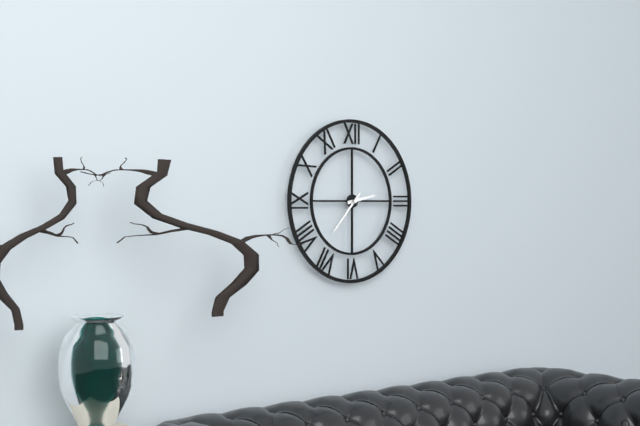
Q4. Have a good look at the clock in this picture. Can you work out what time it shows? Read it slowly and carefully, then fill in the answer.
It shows 2:37
